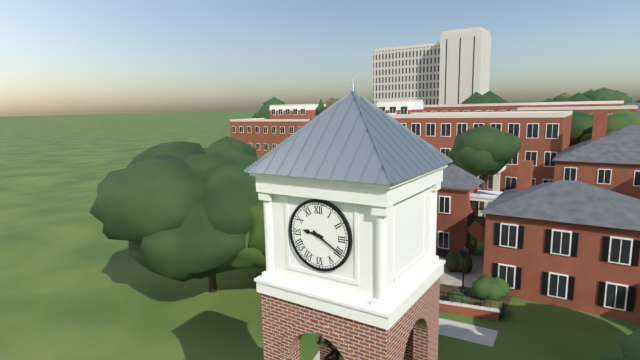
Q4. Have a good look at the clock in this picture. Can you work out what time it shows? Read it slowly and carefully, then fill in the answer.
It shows 9:20
